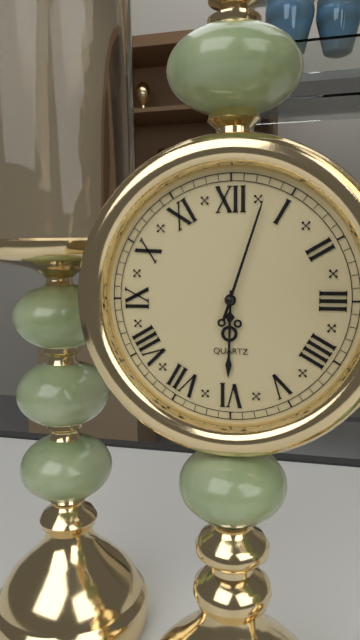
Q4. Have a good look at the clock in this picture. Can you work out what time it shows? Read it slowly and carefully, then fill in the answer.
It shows 6:03
